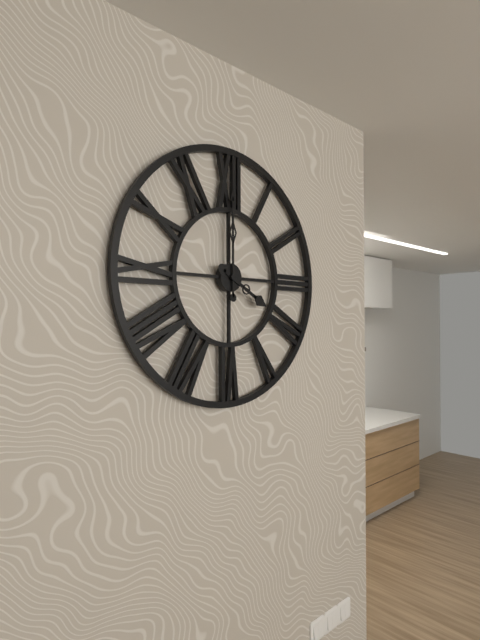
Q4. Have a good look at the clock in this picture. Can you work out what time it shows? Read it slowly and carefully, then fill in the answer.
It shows 4:00
